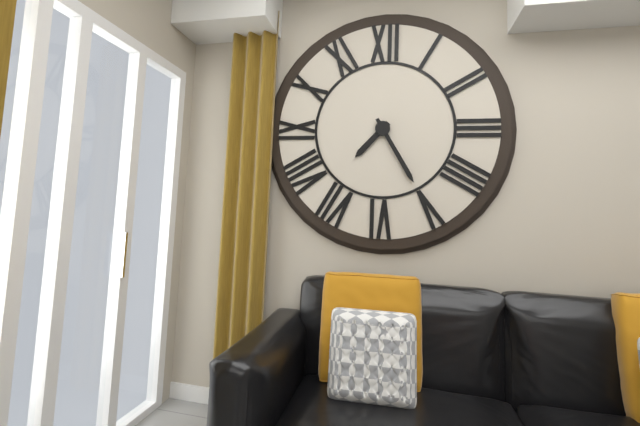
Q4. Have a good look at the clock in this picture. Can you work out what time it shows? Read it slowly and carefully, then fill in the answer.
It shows 7:25
